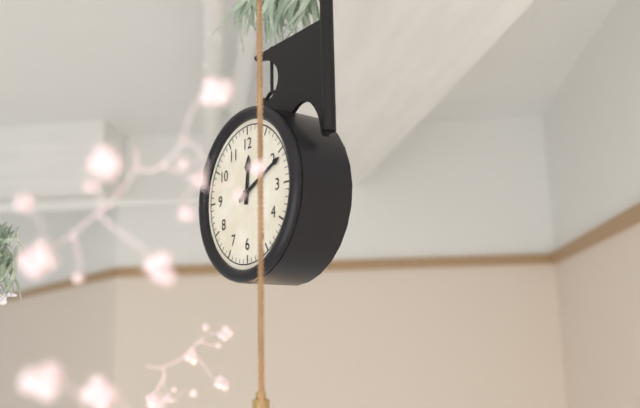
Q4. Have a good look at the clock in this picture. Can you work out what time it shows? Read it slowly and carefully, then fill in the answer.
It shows 12:11
